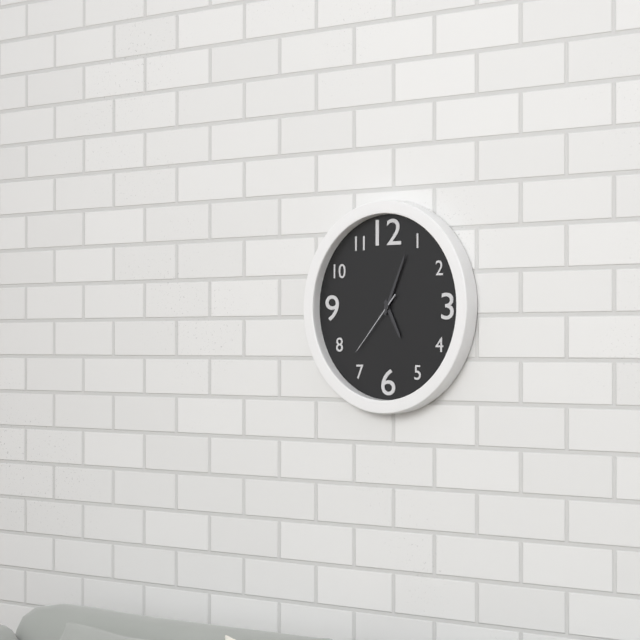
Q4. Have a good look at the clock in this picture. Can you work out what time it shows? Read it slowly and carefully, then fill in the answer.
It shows 5:04:37
